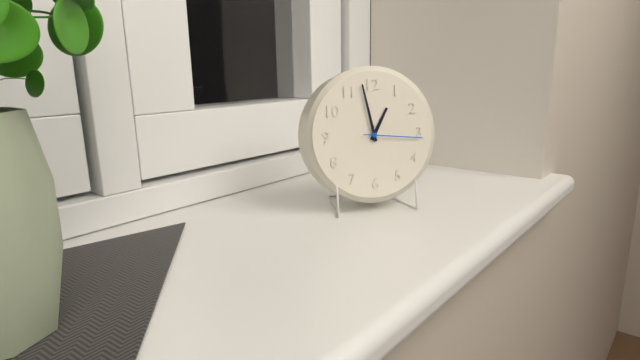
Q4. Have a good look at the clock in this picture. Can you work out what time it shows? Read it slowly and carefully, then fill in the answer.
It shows 12:58:16
